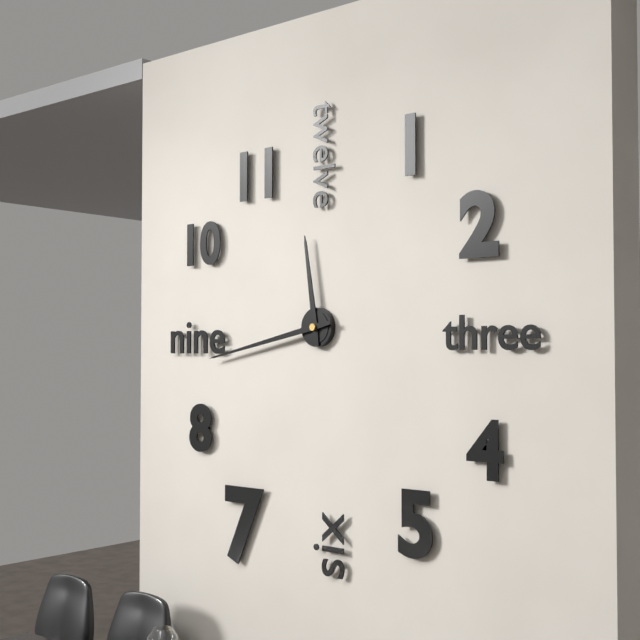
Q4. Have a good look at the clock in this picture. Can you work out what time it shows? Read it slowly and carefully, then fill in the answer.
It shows 11:43
